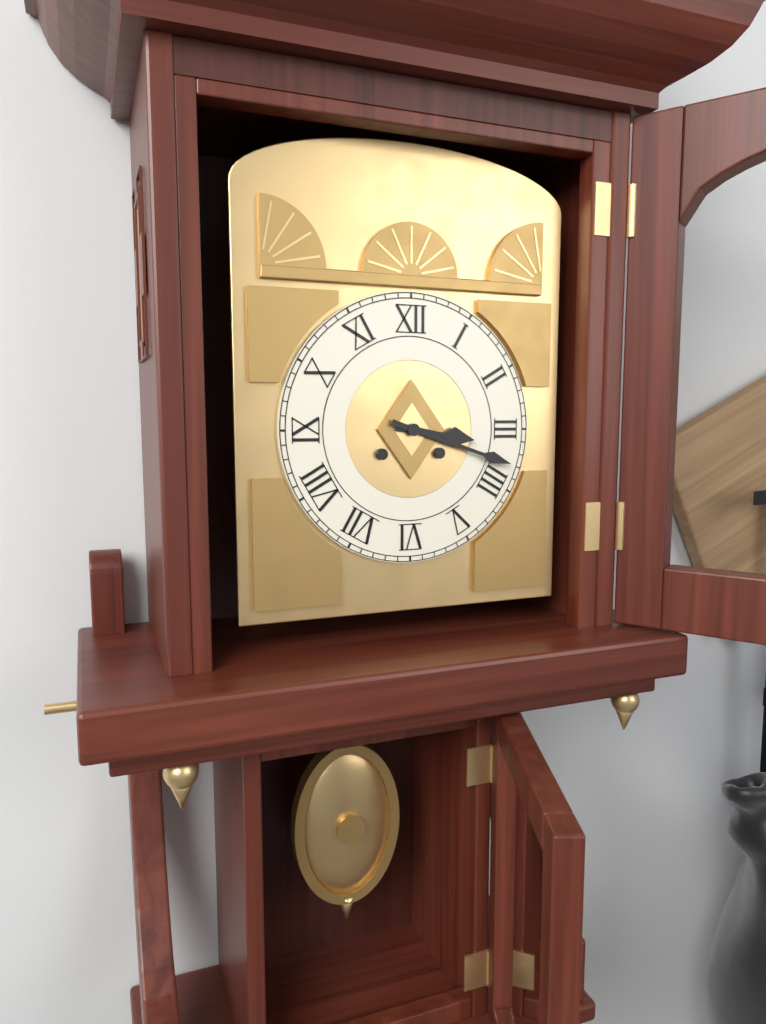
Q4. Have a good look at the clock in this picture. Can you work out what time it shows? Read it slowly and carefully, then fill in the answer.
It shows 3:18
